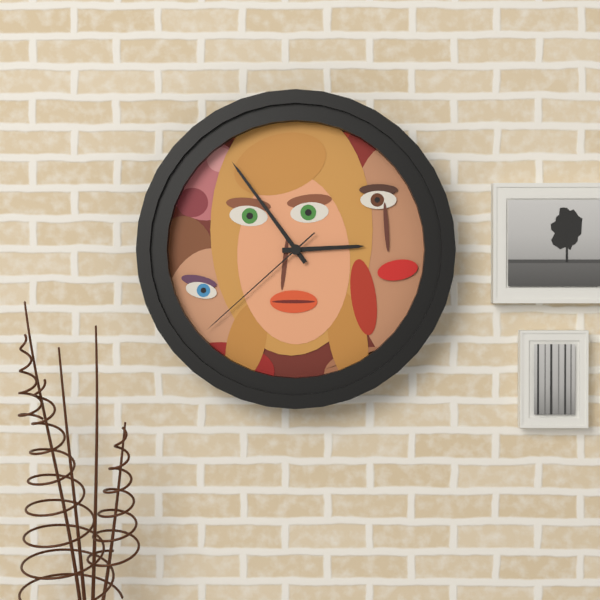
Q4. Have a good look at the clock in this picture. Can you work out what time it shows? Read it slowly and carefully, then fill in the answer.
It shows 2:54:38
